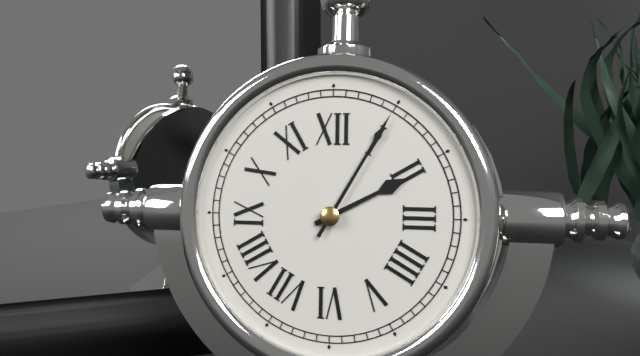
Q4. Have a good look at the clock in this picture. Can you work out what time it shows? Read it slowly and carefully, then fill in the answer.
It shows 2:05
